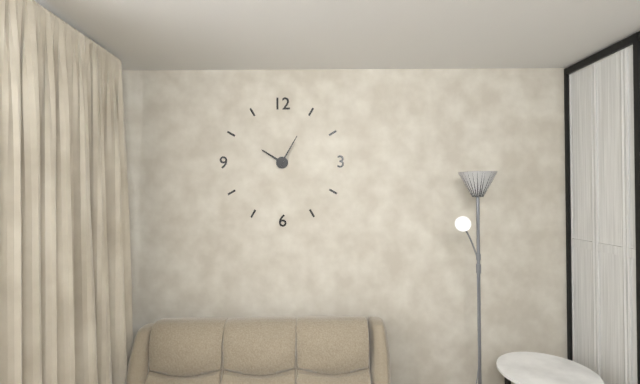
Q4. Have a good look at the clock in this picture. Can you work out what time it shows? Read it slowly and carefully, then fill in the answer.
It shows 10:05
